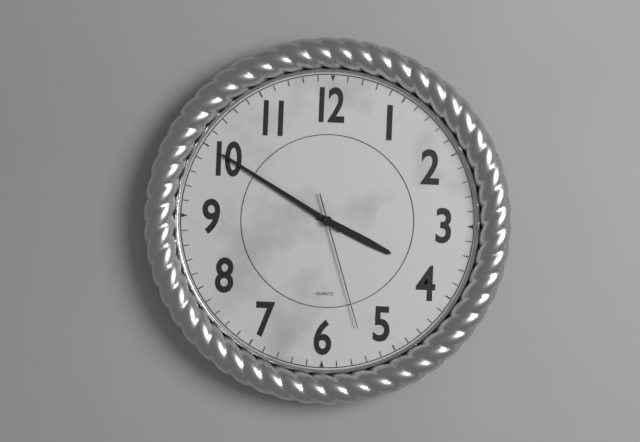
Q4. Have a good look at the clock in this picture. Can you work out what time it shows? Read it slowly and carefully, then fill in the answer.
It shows 3:50:27
